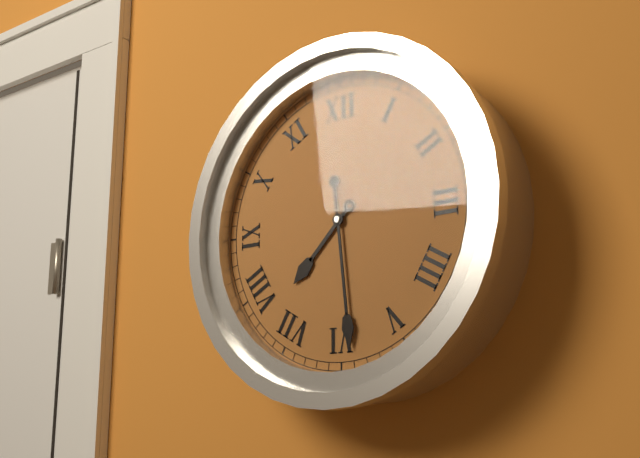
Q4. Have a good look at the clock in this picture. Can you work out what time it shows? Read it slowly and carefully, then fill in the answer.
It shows 7:29
